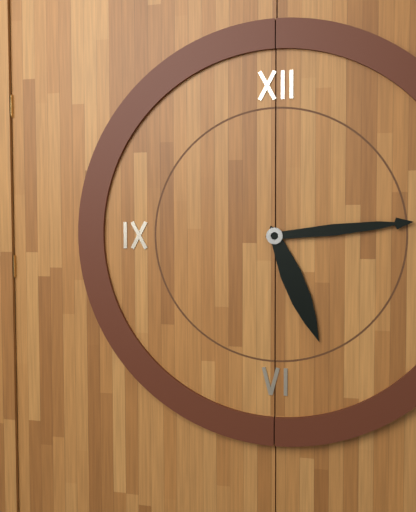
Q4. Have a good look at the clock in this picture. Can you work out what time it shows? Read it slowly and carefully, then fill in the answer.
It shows 5:14
